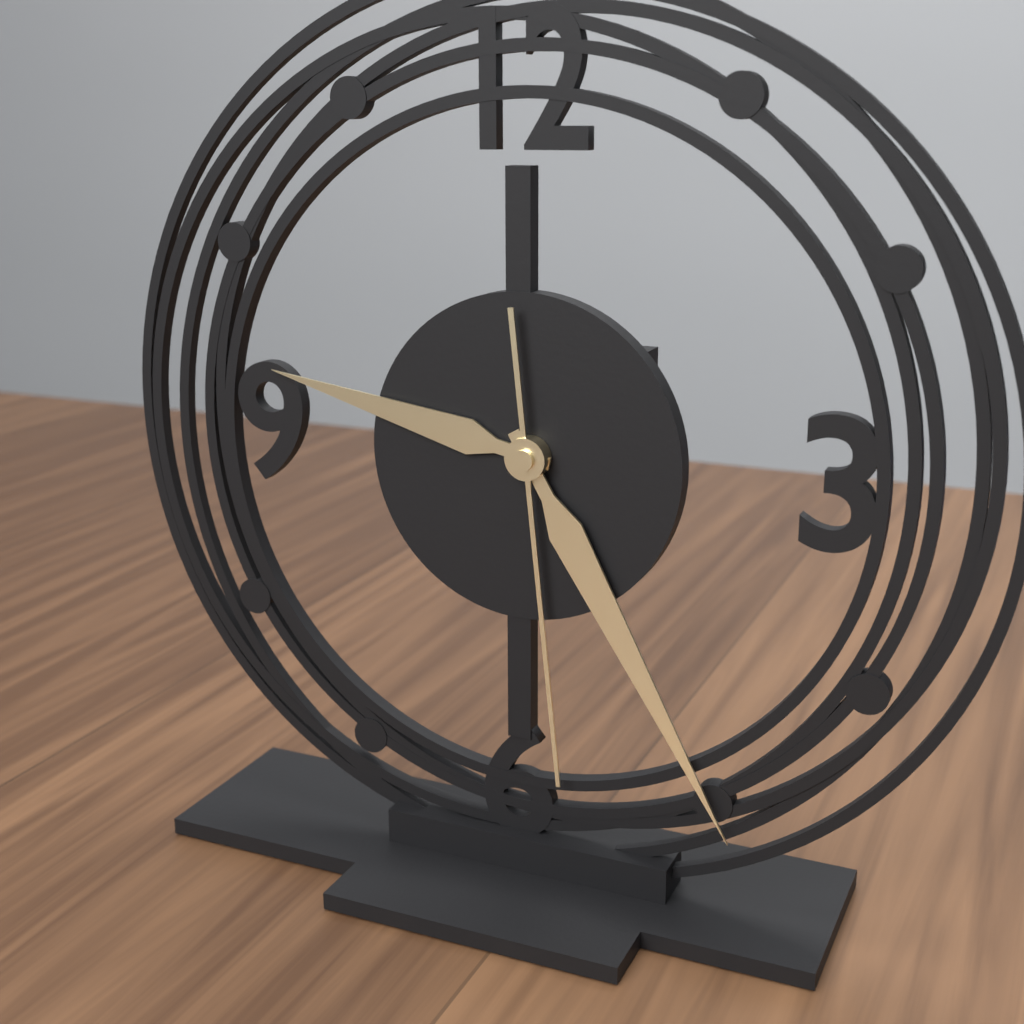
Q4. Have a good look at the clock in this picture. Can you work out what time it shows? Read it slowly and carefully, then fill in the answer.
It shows 9:25:29
